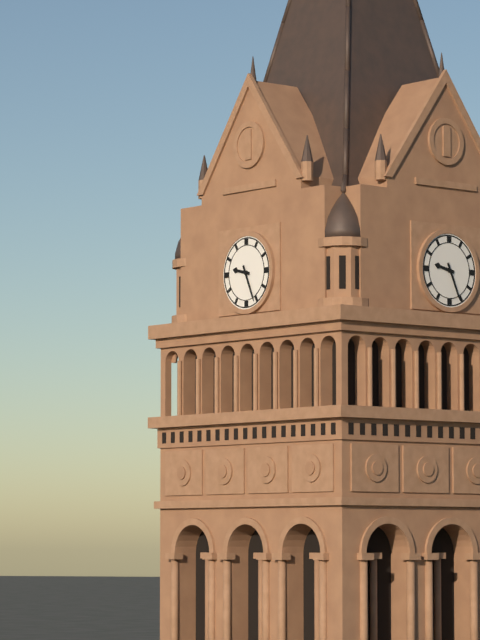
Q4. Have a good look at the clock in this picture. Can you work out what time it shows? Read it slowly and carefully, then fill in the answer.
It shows 9:26
